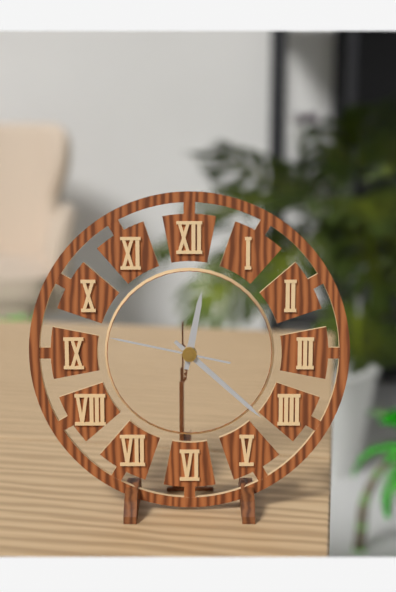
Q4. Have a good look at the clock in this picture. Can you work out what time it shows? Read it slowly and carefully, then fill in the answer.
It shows 12:22:47
